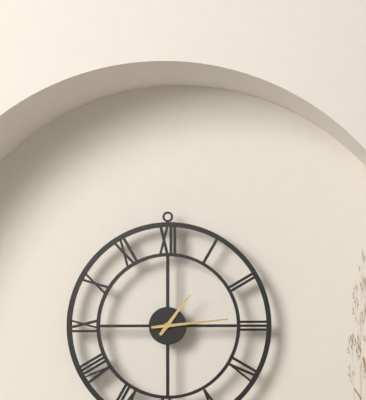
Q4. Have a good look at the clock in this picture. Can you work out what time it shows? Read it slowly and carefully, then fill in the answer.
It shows 1:14
